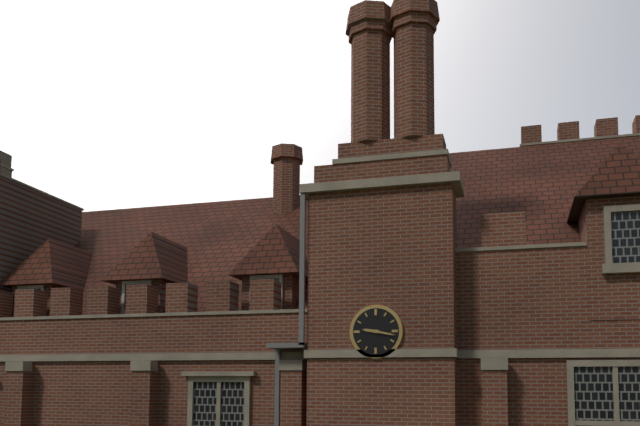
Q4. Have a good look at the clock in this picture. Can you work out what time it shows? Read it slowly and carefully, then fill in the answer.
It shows 9:17
